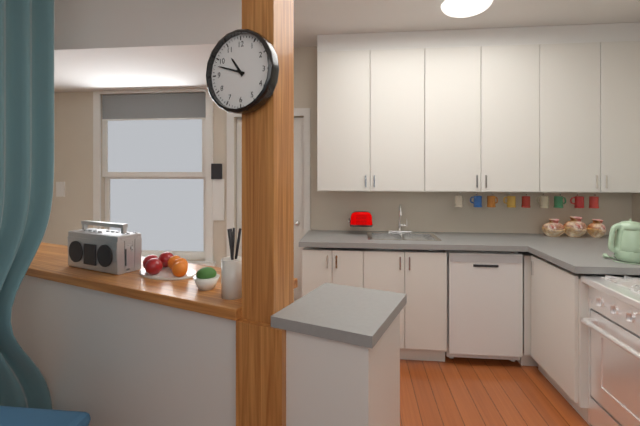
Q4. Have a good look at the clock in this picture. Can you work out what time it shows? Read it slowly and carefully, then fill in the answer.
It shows 10:48
